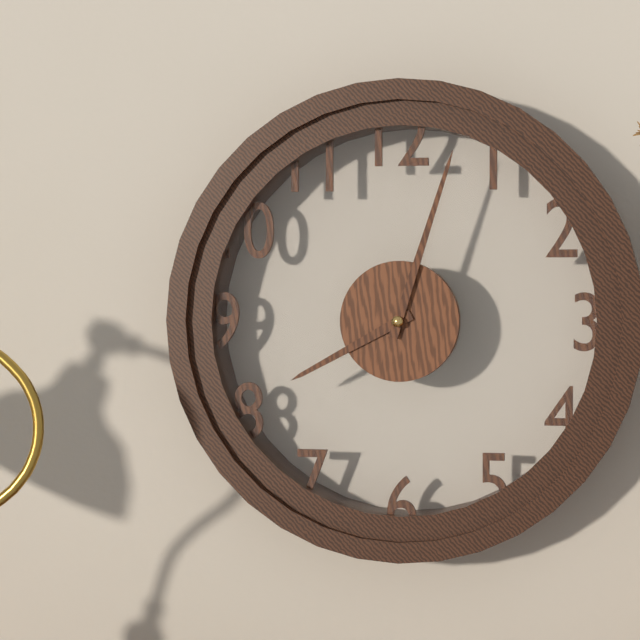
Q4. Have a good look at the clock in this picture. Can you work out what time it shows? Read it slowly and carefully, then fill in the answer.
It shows 8:03
